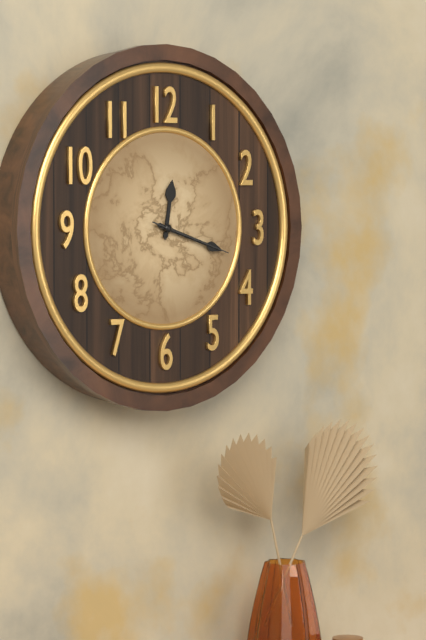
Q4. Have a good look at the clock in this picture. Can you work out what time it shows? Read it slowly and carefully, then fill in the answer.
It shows 12:18:18
